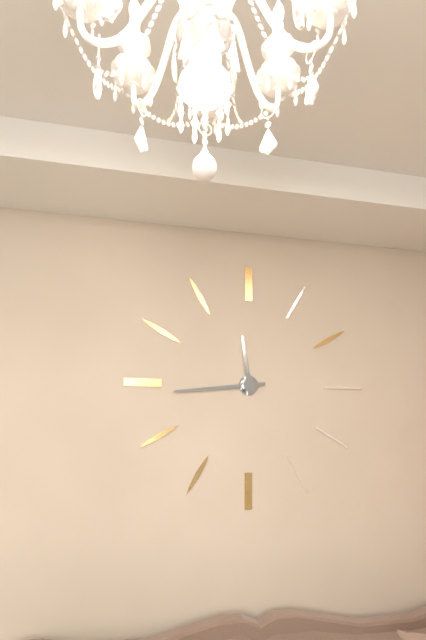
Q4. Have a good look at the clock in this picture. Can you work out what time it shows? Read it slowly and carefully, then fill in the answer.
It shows 11:44
